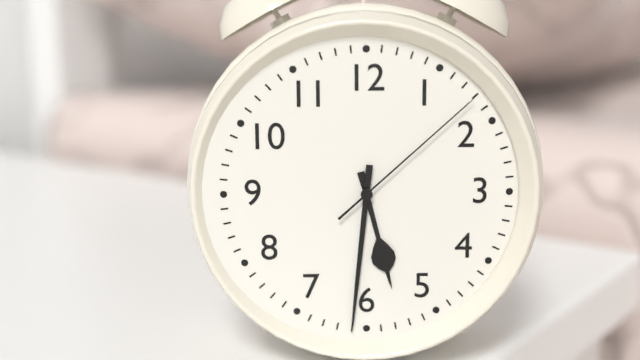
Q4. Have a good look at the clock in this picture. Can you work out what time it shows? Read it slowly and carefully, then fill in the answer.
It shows 5:31:08
